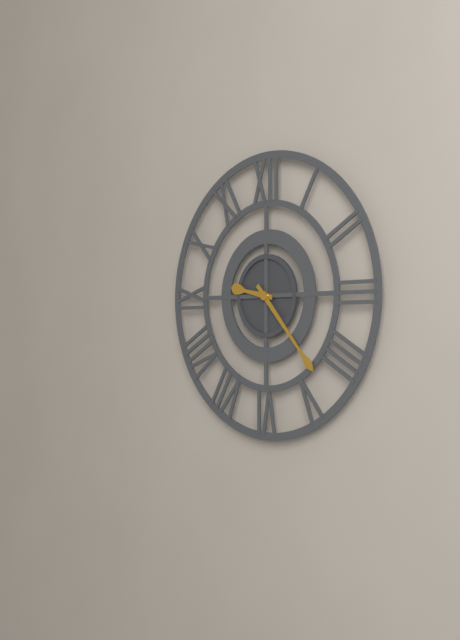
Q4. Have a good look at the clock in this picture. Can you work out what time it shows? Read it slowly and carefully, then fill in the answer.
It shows 9:23
